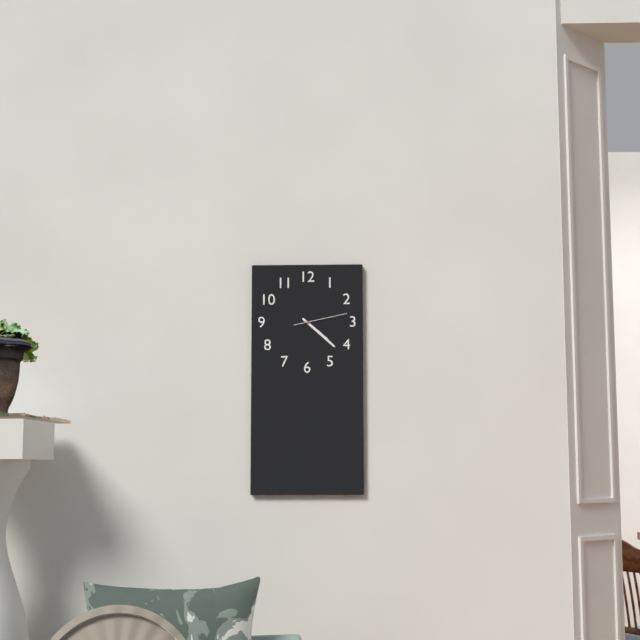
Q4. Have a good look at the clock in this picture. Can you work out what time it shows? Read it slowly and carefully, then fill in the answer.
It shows 4:22:13
